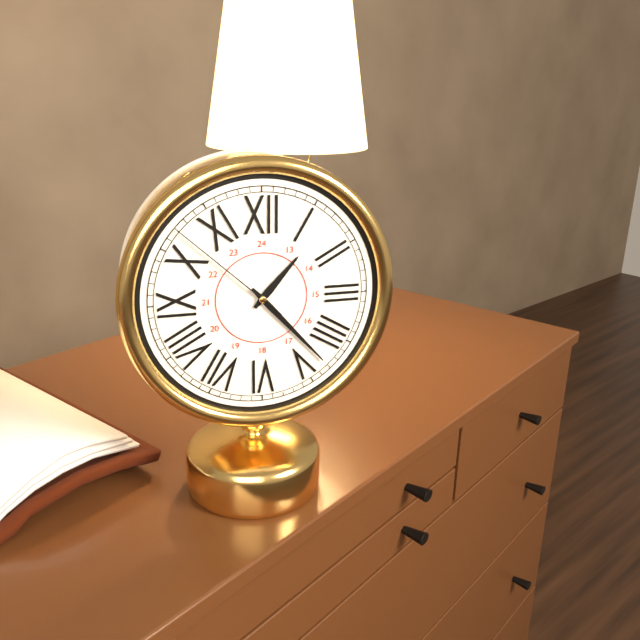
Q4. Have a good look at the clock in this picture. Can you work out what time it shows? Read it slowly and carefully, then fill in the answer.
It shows 1:23:52
